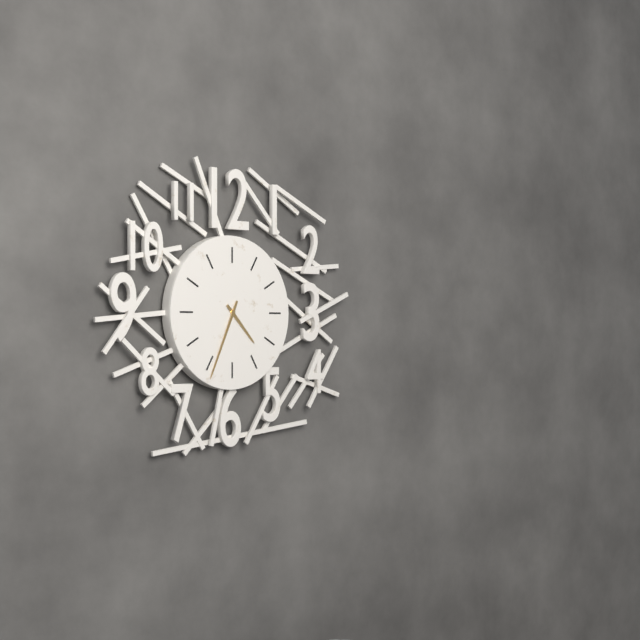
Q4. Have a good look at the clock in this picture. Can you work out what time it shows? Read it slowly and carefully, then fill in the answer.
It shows 4:34
